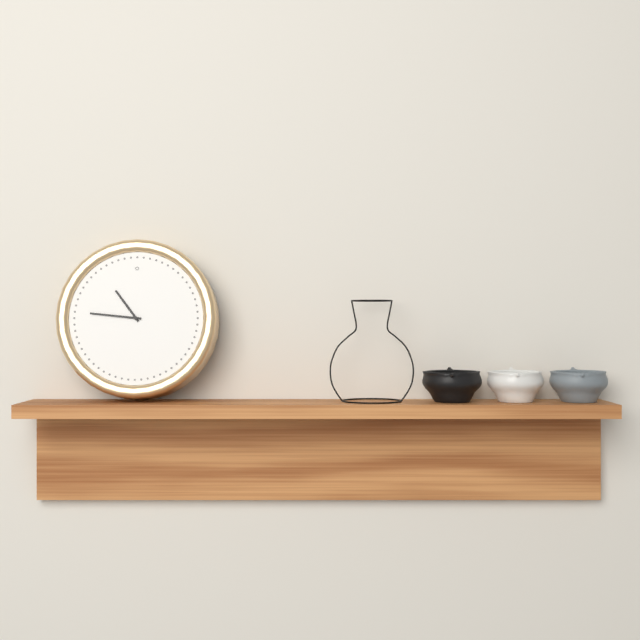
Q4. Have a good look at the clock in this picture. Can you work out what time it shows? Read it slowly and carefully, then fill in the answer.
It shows 10:46
